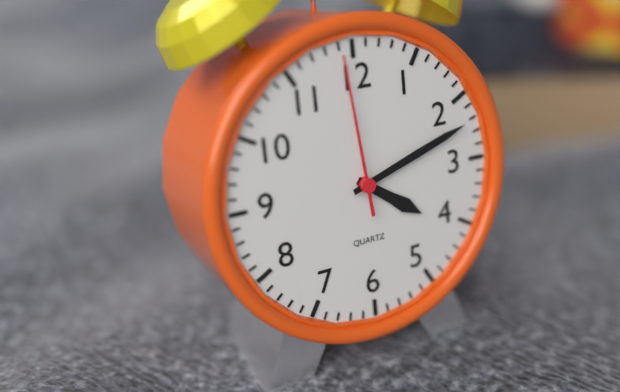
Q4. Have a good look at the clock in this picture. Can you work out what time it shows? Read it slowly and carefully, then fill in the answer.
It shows 4:12:59
